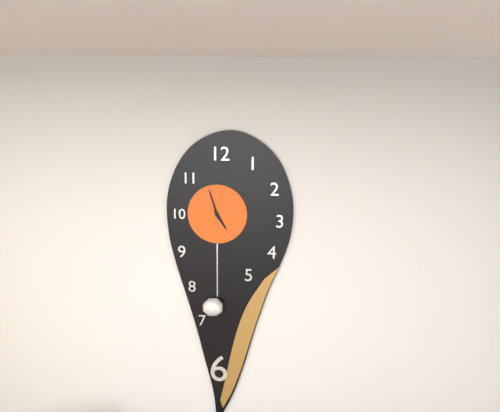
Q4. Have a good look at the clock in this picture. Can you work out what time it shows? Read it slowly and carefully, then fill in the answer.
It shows 4:57
